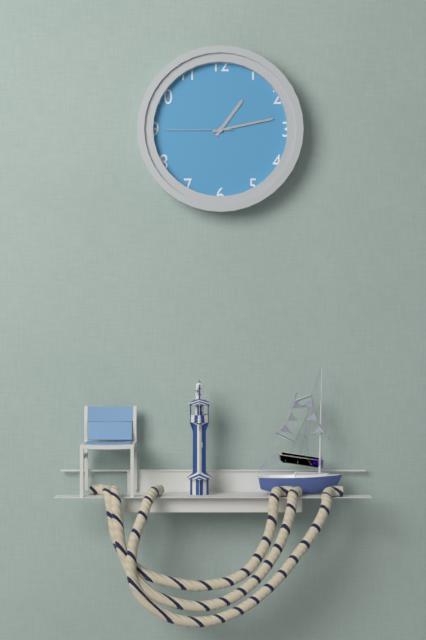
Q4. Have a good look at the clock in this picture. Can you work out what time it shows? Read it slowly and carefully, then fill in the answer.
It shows 1:13:45
